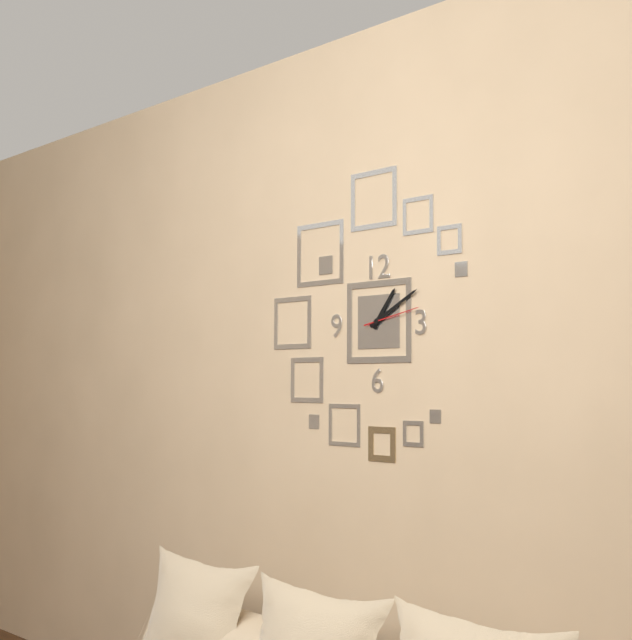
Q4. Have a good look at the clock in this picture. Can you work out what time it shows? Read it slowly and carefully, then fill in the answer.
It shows 1:10:13
